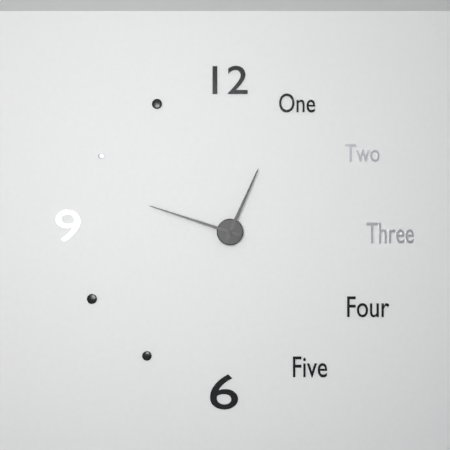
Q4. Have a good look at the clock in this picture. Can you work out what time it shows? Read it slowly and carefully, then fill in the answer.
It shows 12:48
